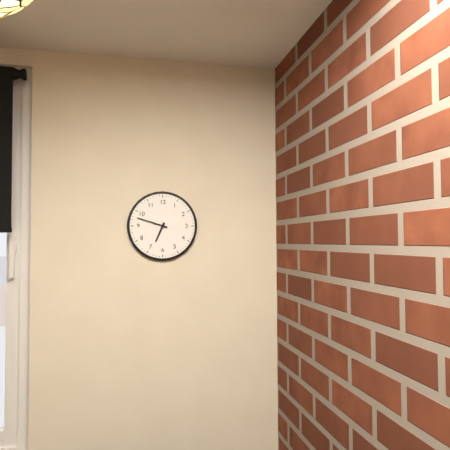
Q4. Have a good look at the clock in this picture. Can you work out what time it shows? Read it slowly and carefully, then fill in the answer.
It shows 6:48
